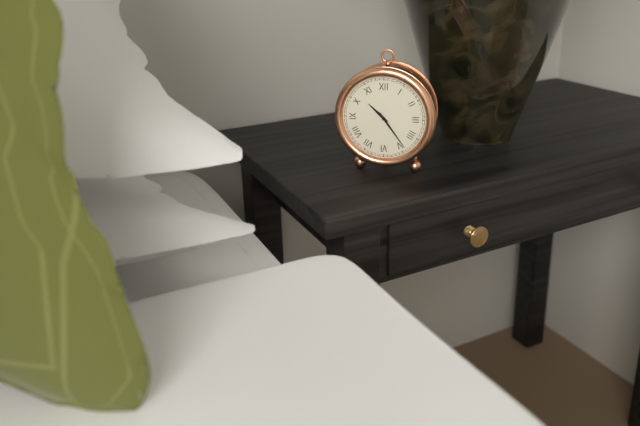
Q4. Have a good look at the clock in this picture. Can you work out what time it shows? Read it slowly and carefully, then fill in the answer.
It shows 10:24
